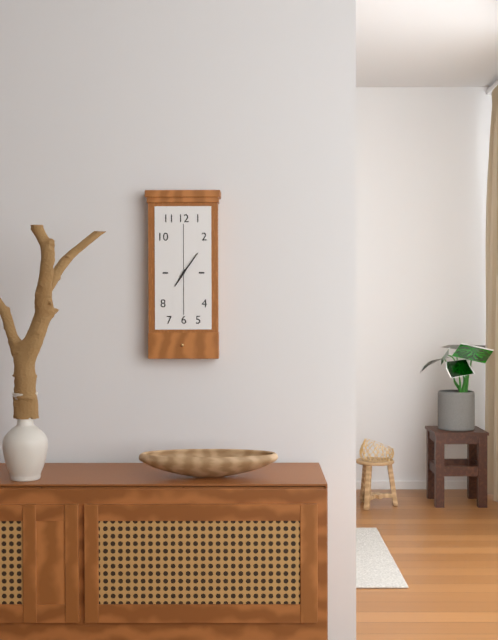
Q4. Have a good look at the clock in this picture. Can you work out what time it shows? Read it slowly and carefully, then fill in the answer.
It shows 7:06
